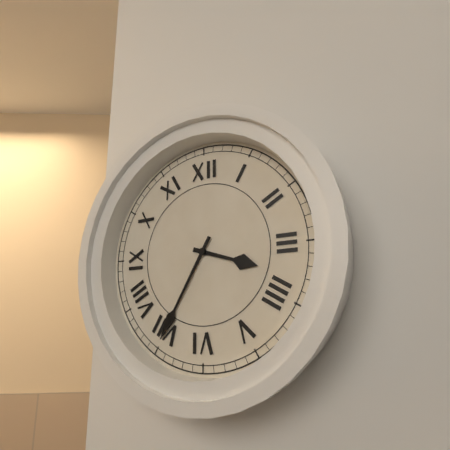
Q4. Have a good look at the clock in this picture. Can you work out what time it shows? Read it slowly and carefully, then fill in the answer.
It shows 3:35
